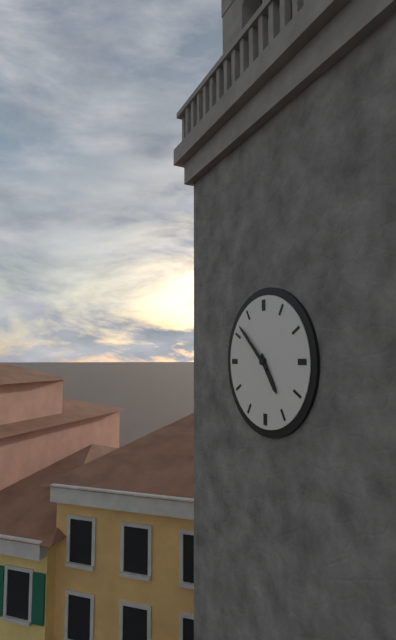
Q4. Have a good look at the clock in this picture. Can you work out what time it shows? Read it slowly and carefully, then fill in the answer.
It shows 4:52
